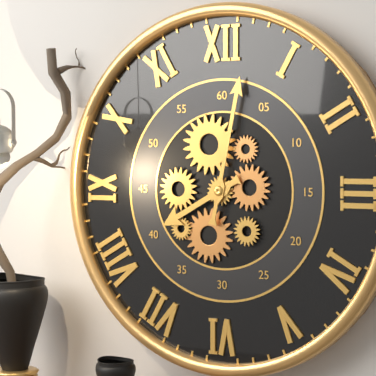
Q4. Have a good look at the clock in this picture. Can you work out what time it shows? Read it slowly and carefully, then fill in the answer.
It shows 8:02
